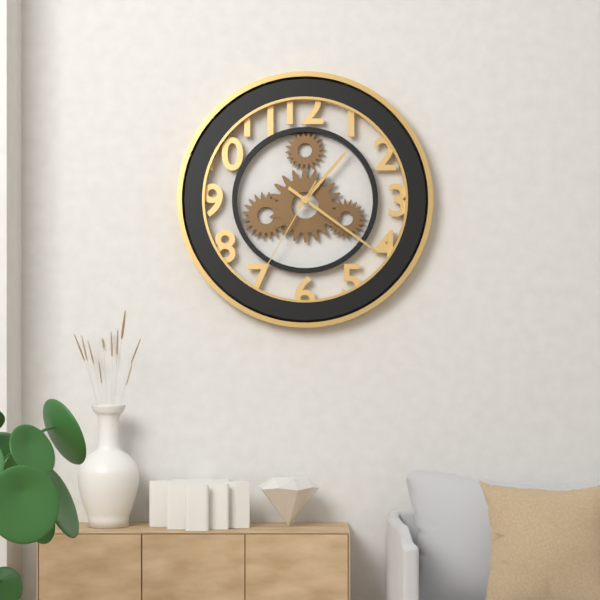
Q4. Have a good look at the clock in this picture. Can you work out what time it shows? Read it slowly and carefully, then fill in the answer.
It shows 1:21:35
